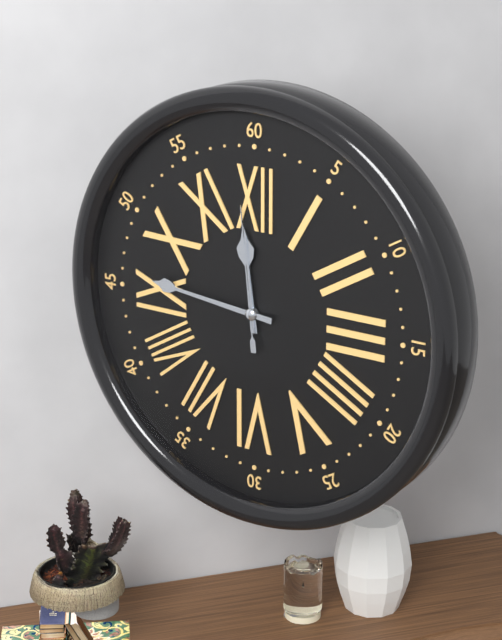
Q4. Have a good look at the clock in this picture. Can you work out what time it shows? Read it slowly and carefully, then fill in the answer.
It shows 11:46:59
